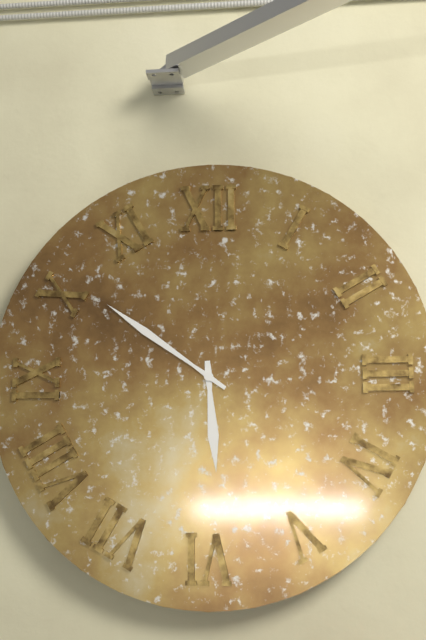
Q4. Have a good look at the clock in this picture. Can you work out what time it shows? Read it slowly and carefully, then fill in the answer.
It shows 5:51
